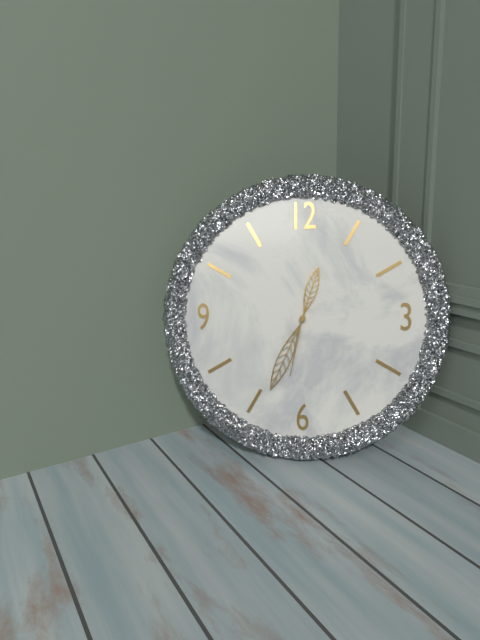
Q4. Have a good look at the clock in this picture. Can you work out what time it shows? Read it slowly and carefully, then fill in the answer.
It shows 12:34:32
